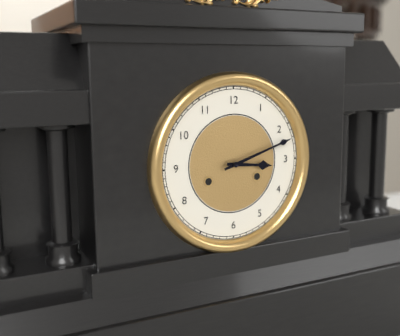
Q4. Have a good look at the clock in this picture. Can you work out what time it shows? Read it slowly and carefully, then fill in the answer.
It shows 3:12
